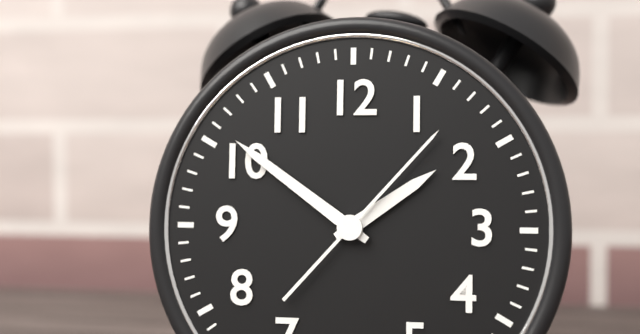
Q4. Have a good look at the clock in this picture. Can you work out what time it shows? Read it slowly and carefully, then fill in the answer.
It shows 1:51:07
